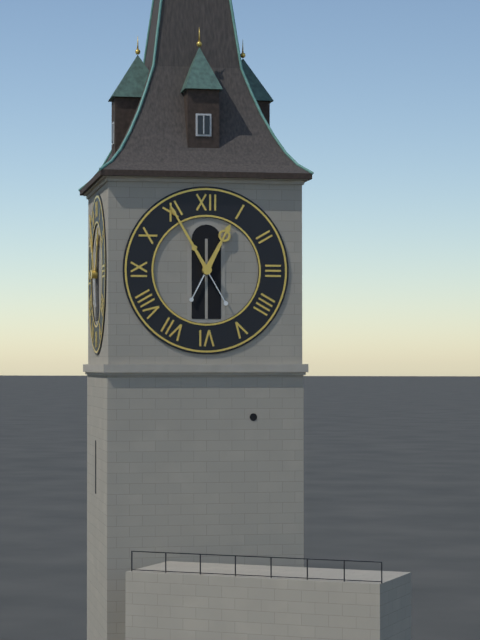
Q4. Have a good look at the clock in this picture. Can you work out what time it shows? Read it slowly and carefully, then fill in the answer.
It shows 12:55
